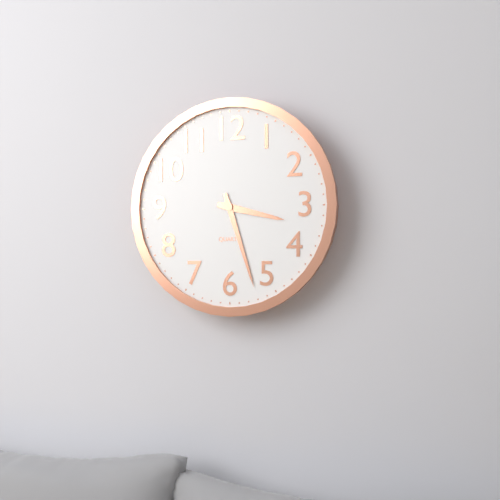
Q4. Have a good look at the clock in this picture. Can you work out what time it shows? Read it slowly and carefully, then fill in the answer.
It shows 3:27
